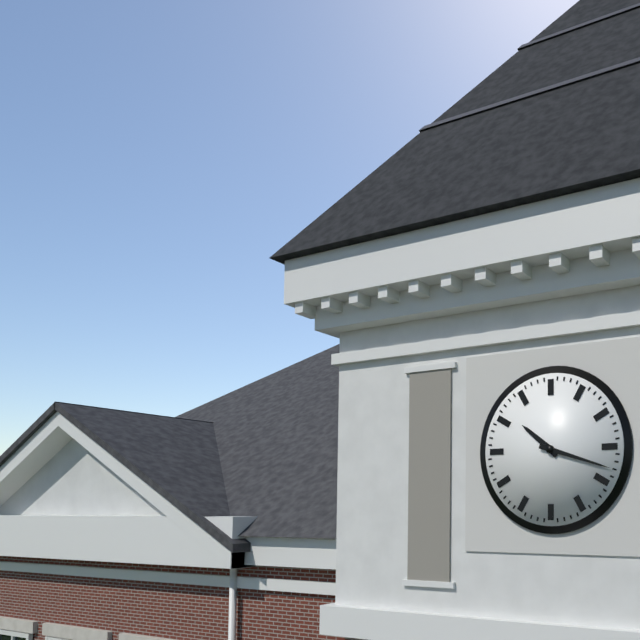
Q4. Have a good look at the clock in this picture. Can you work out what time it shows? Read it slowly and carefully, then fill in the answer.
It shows 10:18
